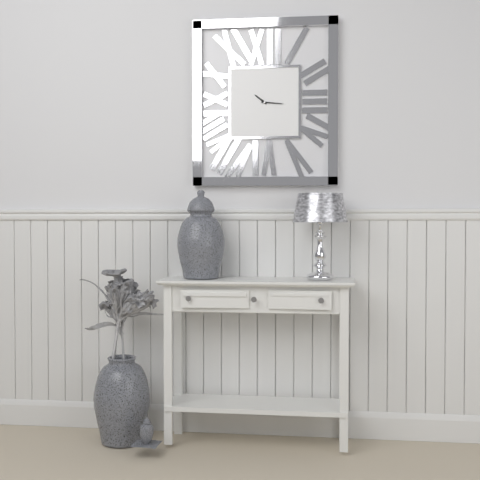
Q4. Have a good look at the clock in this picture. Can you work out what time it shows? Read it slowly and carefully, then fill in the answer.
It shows 10:16
